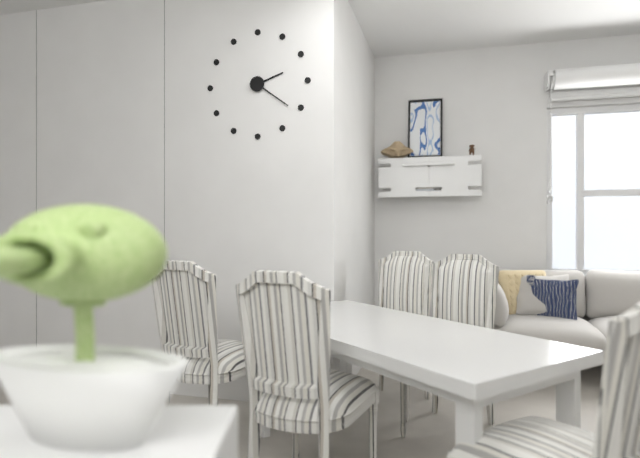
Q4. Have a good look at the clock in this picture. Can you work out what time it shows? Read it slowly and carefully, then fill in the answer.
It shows 2:21
